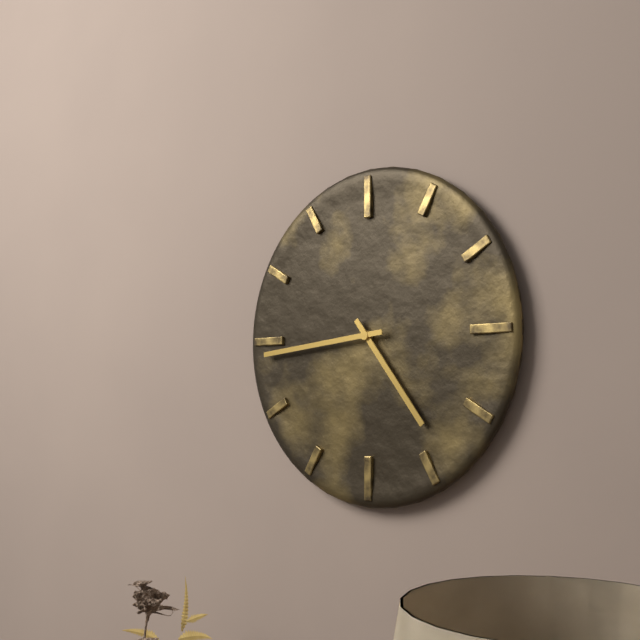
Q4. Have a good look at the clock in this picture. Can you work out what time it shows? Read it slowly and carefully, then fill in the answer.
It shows 4:44
